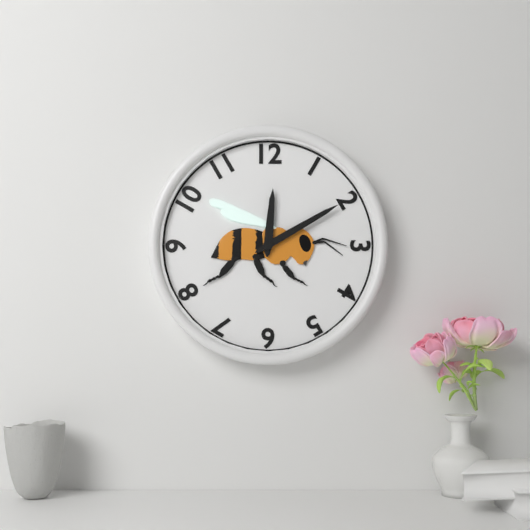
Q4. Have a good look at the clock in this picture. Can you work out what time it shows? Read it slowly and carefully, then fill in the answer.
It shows 12:10
